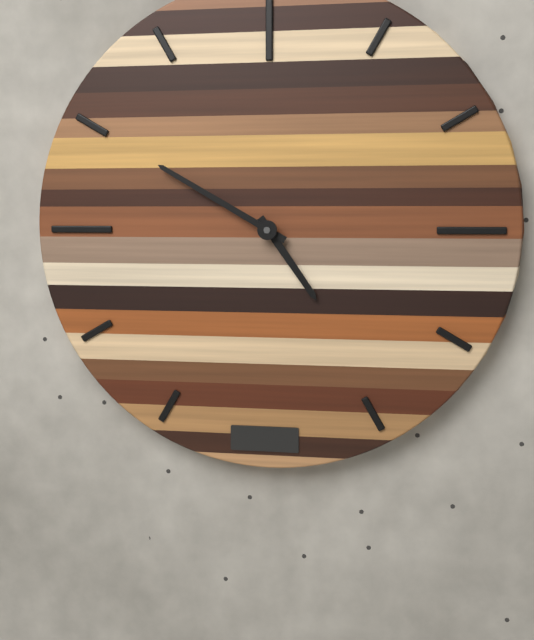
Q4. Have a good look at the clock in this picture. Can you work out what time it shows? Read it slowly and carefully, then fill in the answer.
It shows 4:50
